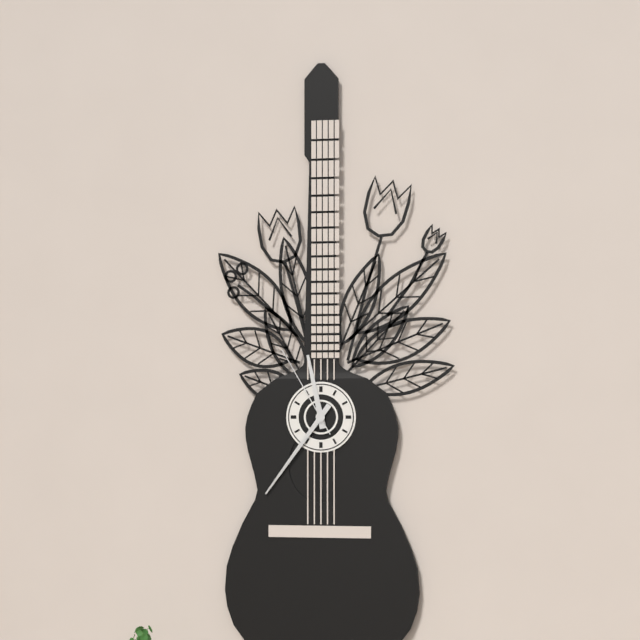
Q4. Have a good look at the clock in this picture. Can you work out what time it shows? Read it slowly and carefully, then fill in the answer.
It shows 11:36:55
